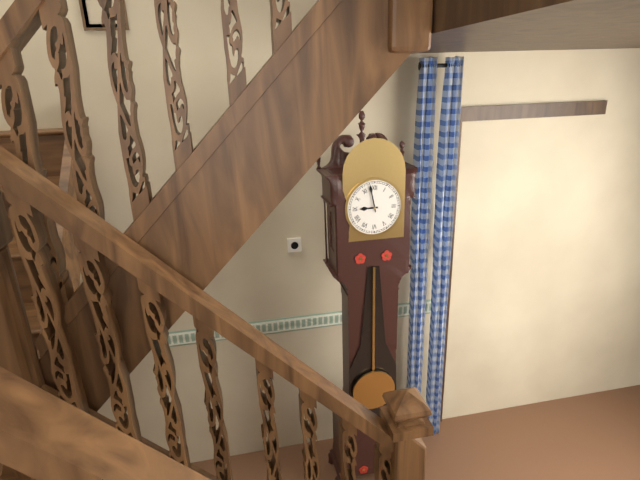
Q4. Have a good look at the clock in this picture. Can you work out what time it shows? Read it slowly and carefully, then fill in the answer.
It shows 8:58
